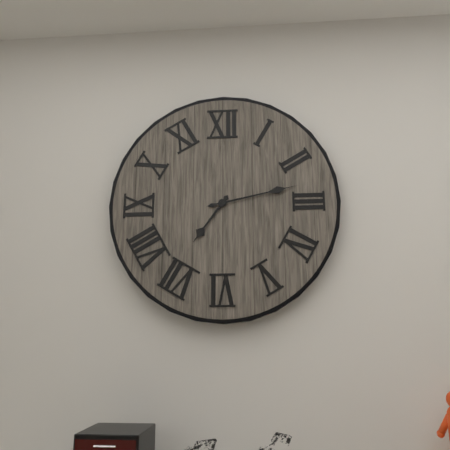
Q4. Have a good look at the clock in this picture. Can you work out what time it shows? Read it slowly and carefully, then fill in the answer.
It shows 7:13
